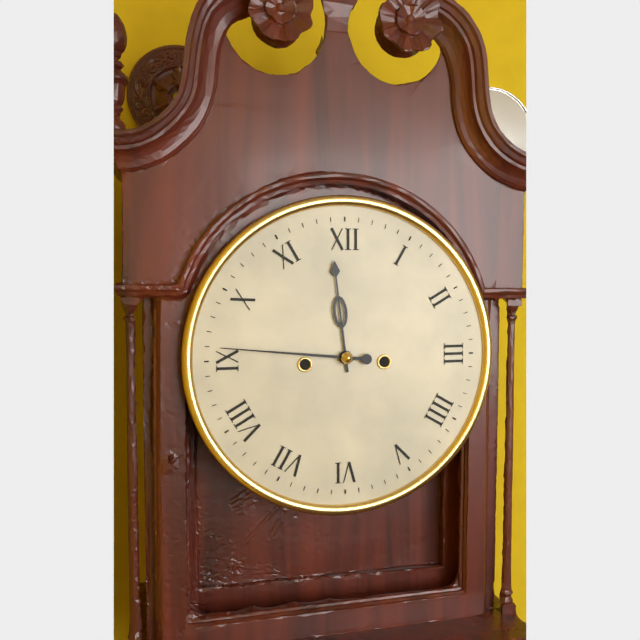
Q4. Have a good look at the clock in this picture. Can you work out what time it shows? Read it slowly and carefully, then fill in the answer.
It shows 11:46
